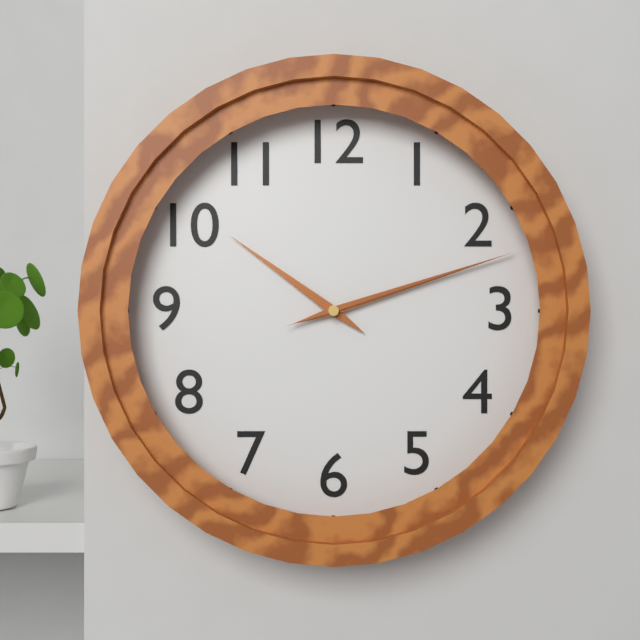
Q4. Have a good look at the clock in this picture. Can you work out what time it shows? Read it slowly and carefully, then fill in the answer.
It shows 10:12:12
